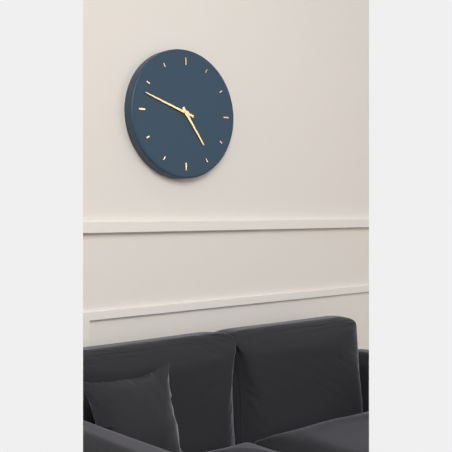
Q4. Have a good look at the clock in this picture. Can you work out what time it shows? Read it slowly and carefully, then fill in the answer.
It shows 4:48
